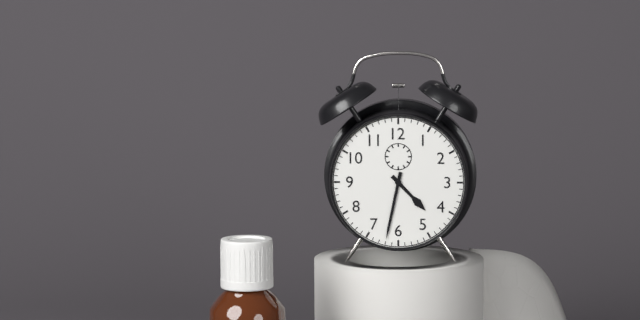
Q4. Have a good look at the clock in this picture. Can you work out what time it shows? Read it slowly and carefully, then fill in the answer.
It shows 4:32
